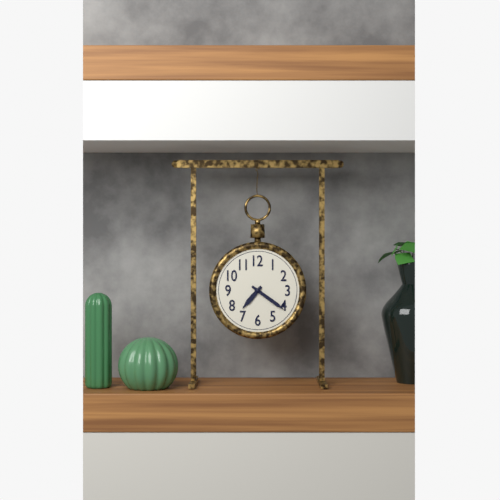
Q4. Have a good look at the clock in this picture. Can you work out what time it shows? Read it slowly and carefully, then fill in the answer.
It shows 7:21
